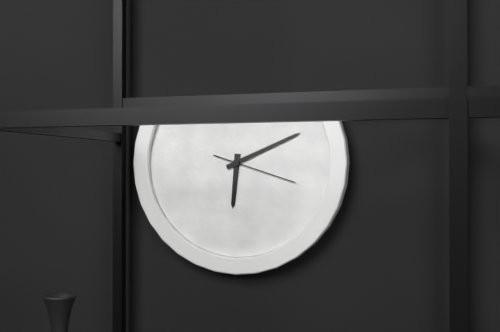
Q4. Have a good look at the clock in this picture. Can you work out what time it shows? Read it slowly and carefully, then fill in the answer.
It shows 6:11:18
